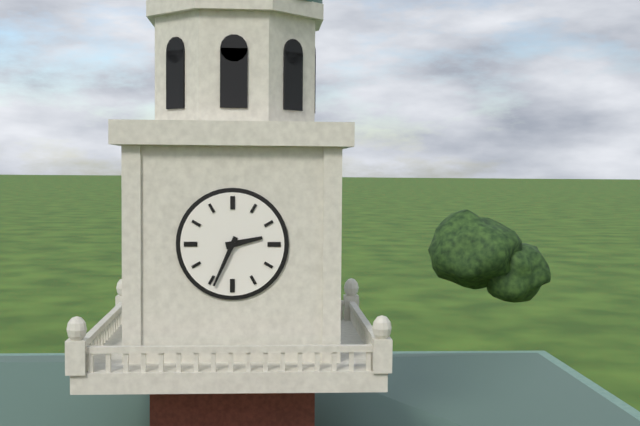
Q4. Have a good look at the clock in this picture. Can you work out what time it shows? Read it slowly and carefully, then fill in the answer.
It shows 2:34
